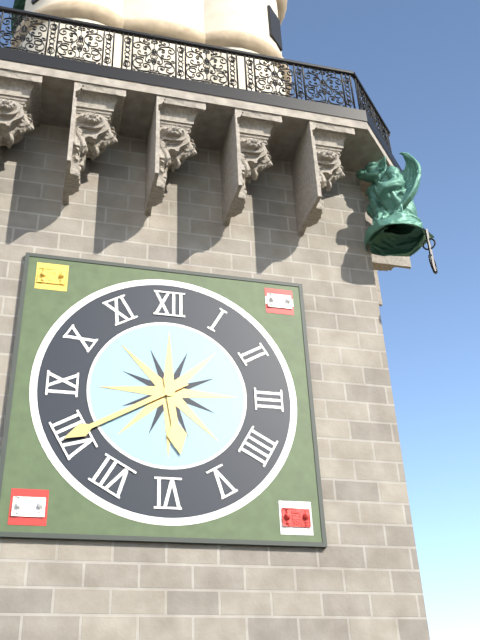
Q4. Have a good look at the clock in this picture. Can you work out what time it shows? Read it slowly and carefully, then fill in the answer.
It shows 5:40
